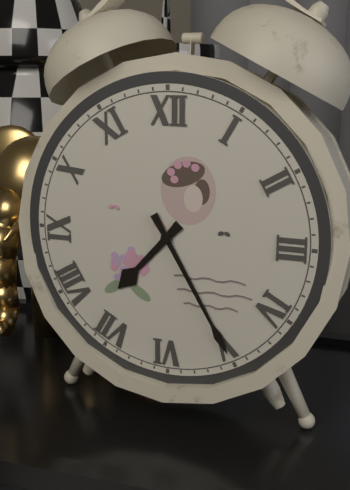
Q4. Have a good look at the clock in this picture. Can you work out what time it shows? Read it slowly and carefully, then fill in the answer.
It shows 7:25
